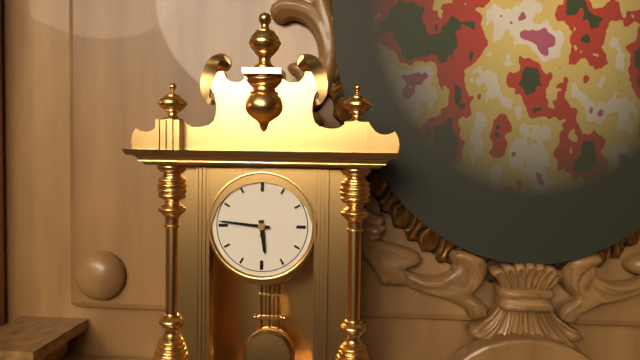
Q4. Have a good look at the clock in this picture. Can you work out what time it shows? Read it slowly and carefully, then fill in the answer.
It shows 5:46
